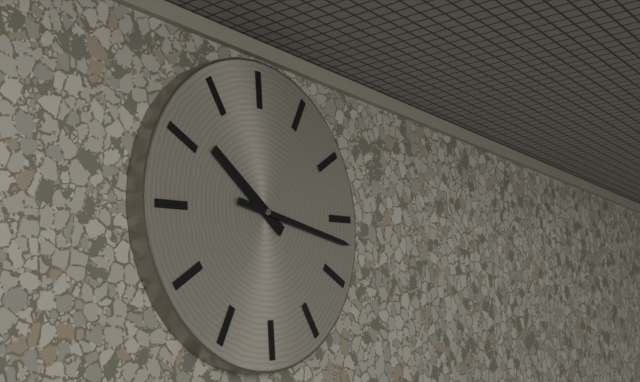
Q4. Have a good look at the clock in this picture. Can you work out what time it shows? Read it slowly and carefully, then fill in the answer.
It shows 10:17
